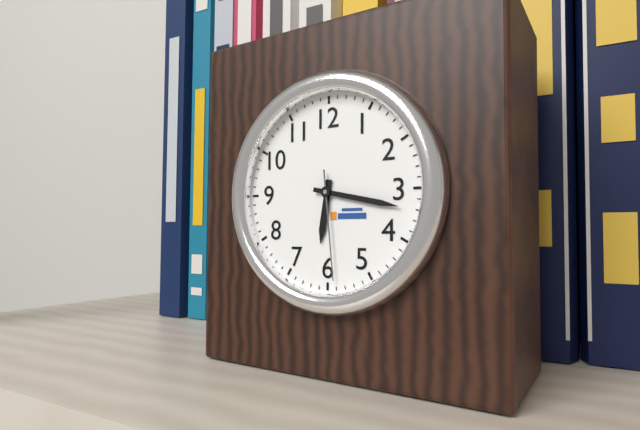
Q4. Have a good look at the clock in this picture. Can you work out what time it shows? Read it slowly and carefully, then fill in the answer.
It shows 6:17:29
